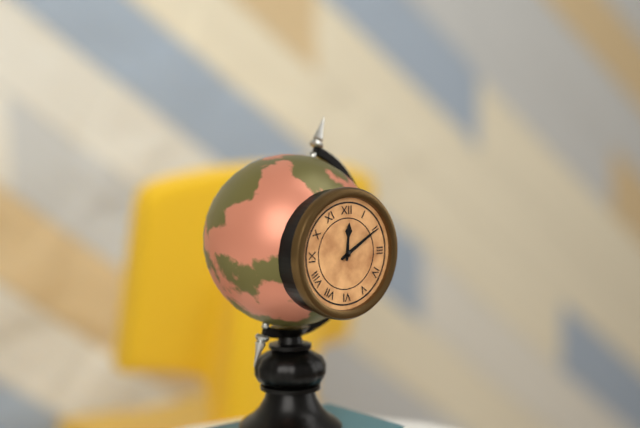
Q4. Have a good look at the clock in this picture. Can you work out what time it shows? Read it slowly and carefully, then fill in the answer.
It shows 12:10
